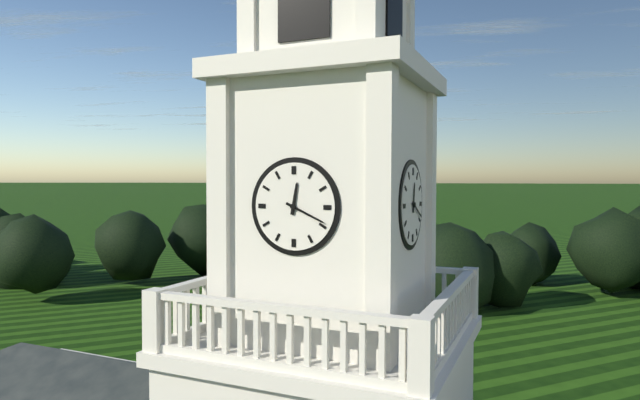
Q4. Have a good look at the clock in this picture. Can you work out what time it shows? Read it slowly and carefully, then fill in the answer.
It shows 12:19
